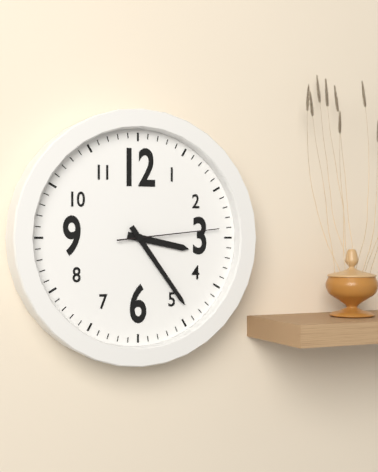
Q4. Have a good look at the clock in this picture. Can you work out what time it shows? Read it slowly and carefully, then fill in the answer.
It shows 3:24:14
